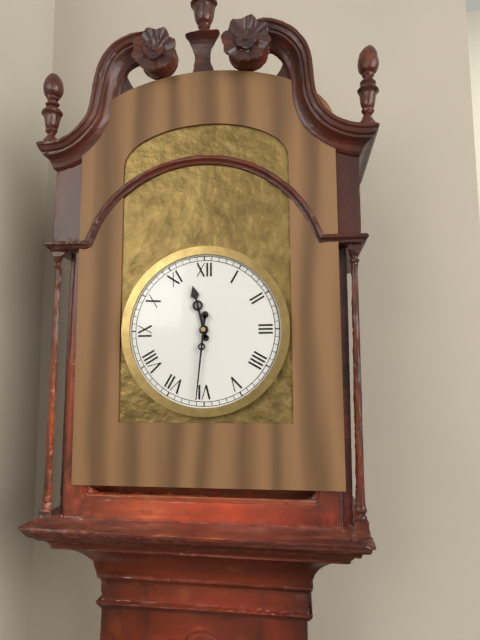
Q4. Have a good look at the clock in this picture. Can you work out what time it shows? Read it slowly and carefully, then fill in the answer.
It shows 11:31
